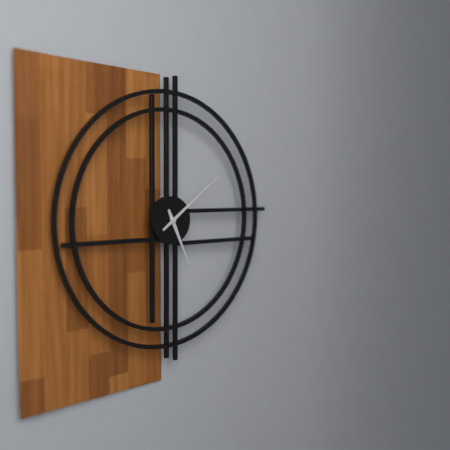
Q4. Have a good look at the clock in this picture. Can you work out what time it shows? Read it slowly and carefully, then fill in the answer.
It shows 5:09
